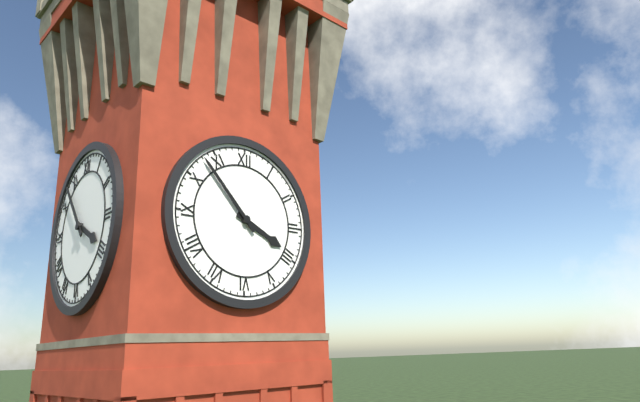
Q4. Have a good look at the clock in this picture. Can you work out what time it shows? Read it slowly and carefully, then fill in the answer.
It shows 3:53
